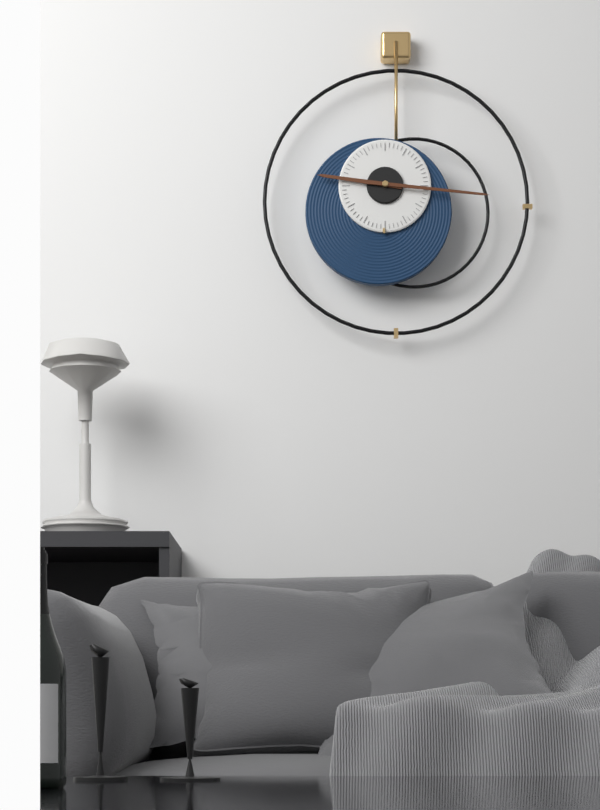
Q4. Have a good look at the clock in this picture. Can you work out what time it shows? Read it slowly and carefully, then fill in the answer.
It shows 9:16
